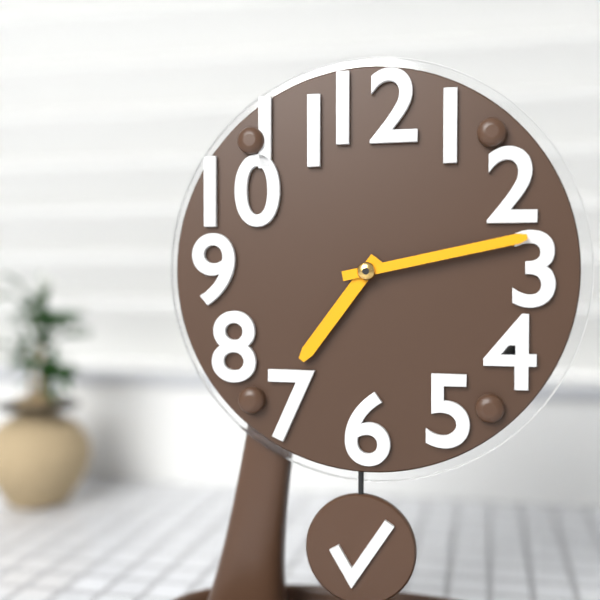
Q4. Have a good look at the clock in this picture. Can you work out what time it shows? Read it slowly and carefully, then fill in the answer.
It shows 7:13
